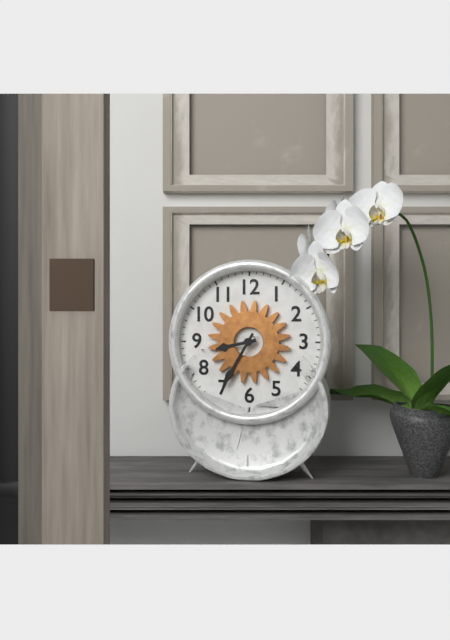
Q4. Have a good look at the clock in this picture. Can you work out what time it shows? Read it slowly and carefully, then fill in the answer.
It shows 8:35
